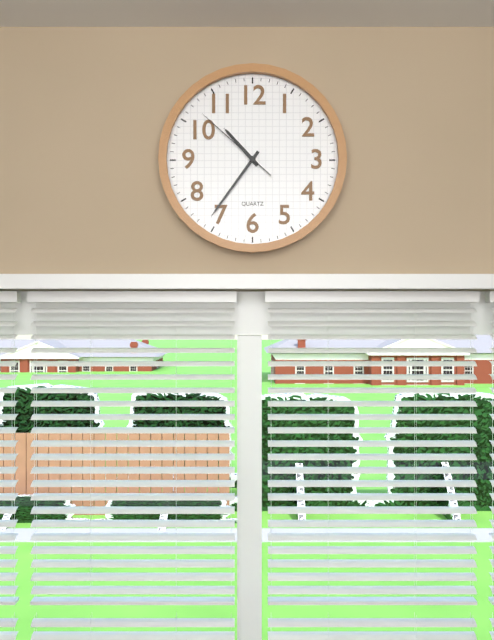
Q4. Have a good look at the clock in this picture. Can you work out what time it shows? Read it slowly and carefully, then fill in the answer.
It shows 10:36:52
